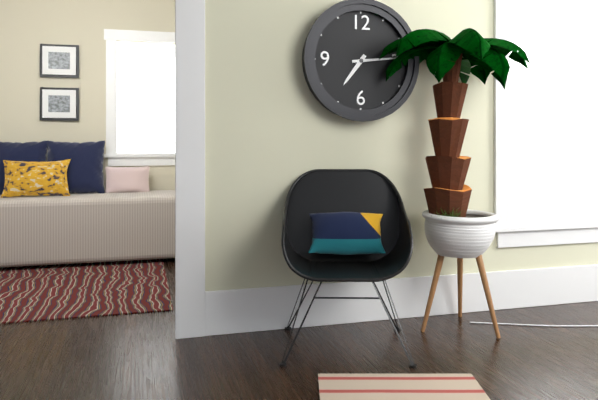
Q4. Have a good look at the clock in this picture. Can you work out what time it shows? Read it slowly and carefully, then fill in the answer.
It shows 7:14
